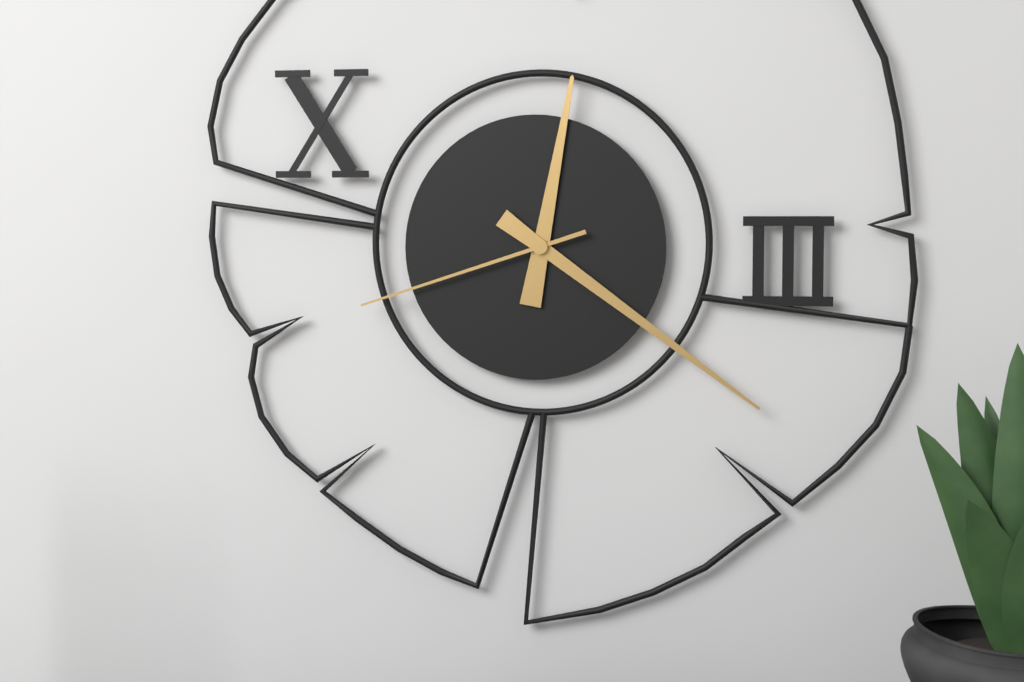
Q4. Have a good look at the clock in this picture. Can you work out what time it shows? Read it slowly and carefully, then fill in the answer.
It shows 12:21:42
